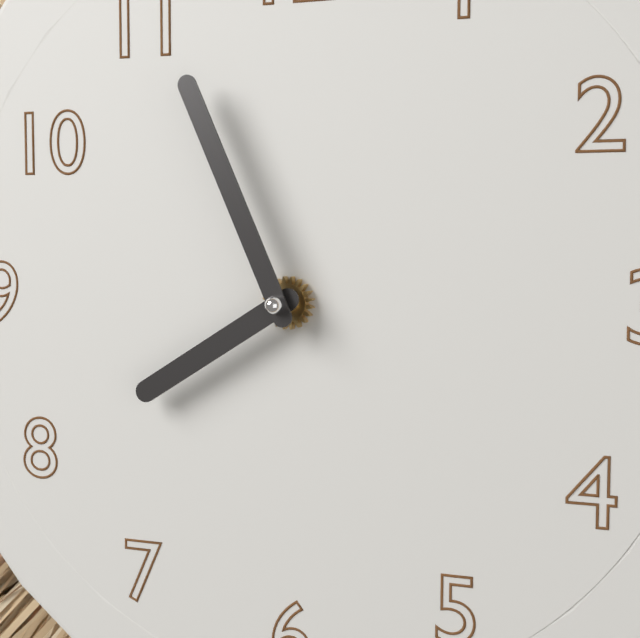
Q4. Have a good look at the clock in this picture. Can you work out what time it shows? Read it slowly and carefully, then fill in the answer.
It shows 7:56
